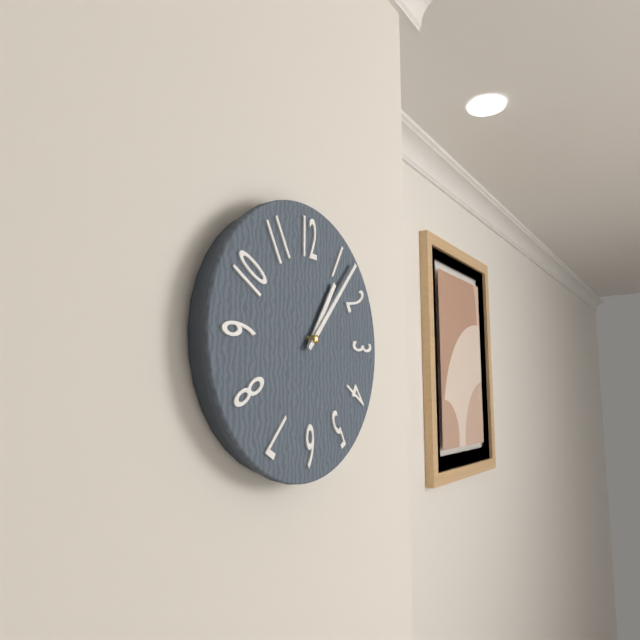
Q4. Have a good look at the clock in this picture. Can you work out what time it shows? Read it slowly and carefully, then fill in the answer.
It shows 1:07
